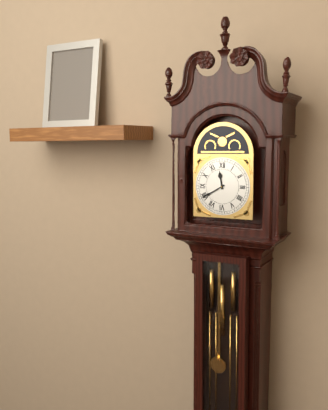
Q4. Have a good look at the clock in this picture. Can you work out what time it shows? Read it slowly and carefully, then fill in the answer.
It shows 11:40
